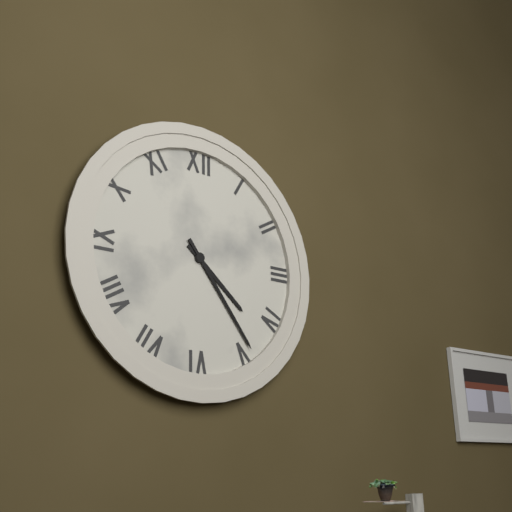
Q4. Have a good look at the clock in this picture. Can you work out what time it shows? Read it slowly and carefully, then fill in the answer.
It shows 4:24
